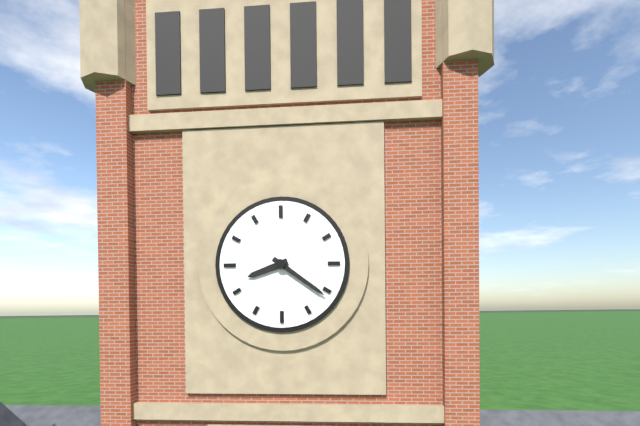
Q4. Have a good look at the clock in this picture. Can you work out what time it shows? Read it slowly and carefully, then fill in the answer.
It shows 8:21
